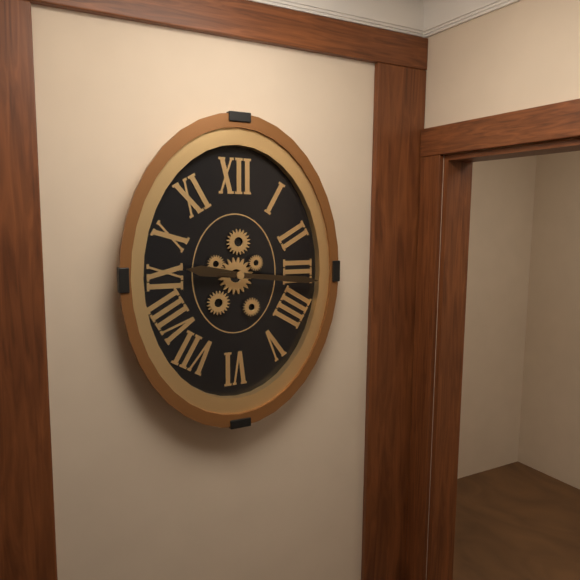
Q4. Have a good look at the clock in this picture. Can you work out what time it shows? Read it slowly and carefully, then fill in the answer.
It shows 9:16
